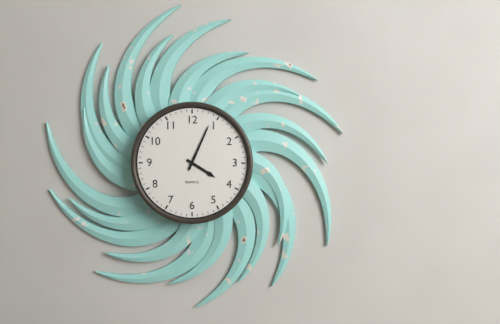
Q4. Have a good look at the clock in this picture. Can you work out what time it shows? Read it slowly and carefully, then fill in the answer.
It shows 4:04
